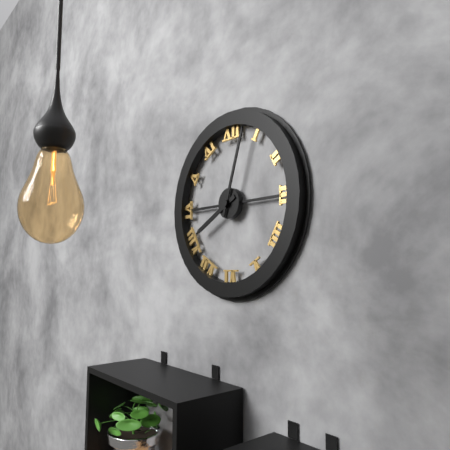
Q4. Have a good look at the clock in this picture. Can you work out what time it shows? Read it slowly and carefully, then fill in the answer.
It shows 8:03
